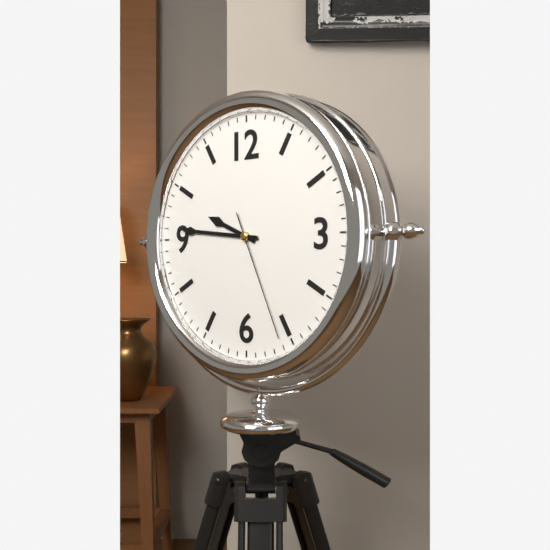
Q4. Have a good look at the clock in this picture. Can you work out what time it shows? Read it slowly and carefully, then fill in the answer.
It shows 9:46:26
